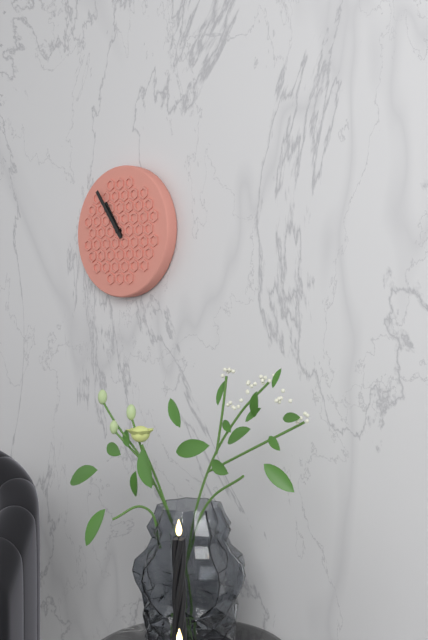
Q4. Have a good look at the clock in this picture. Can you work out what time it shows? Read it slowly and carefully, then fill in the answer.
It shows 10:54
